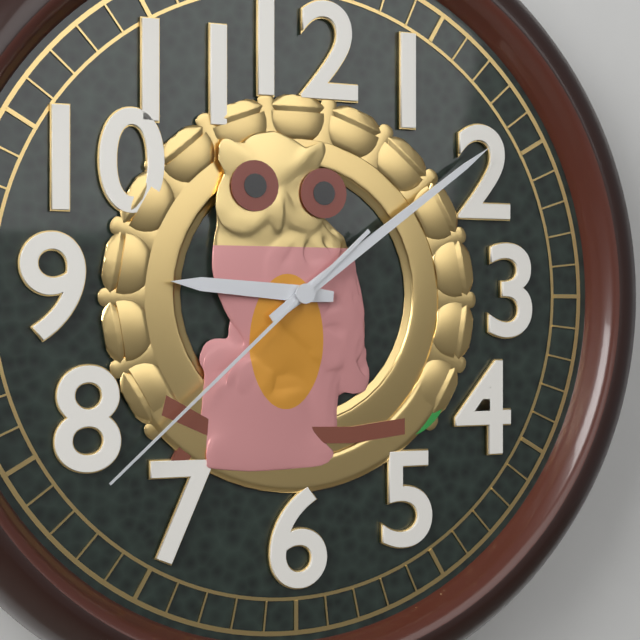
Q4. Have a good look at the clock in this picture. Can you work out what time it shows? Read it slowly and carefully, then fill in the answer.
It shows 9:09:38
